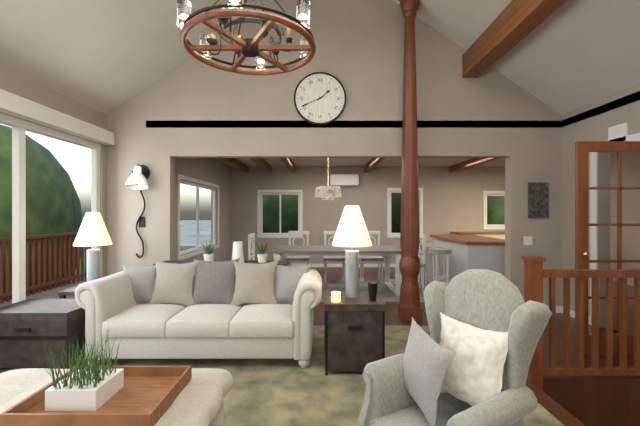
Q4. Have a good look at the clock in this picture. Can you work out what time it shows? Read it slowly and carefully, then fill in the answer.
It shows 1:41
